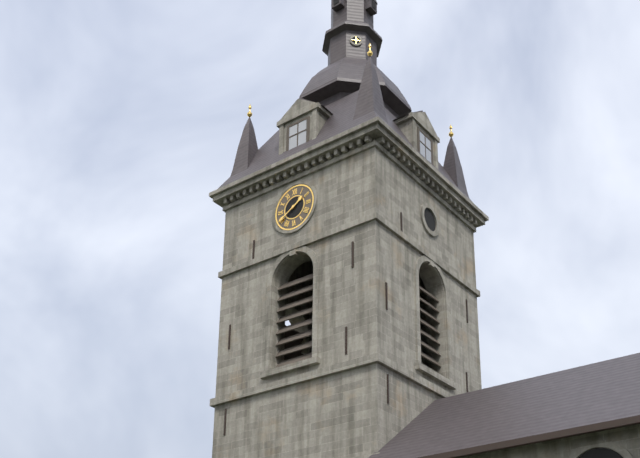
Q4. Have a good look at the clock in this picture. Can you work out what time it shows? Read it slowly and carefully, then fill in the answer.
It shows 1:40
